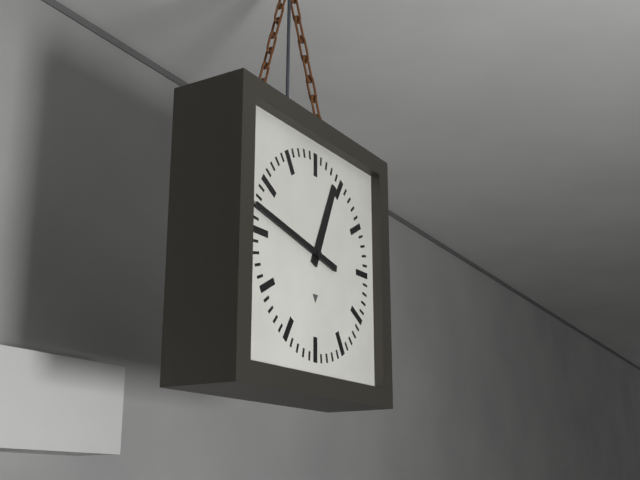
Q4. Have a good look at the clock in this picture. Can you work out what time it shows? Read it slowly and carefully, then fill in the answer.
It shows 12:47
